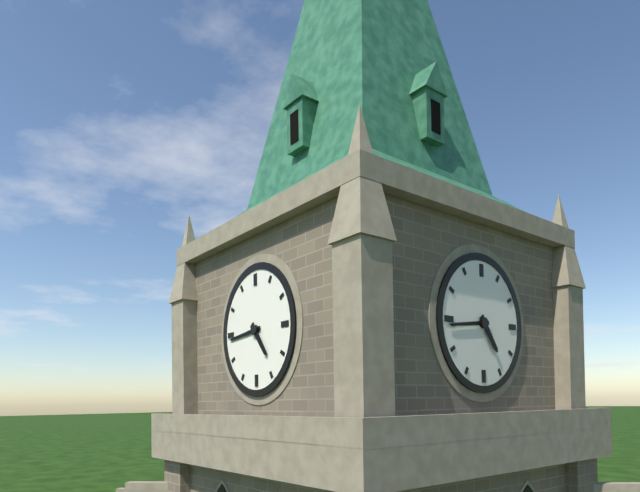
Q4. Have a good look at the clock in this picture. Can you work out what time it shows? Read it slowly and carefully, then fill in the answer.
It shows 4:44
